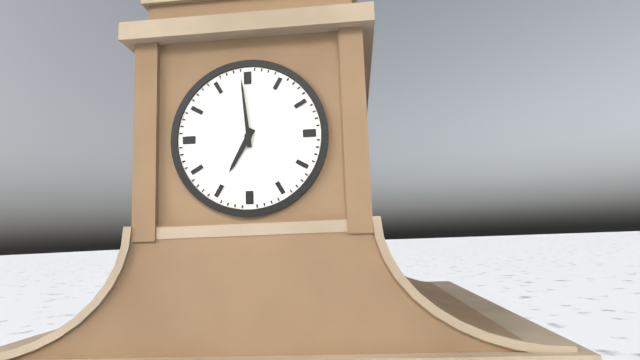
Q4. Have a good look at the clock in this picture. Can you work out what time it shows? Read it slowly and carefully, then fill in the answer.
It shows 6:59
